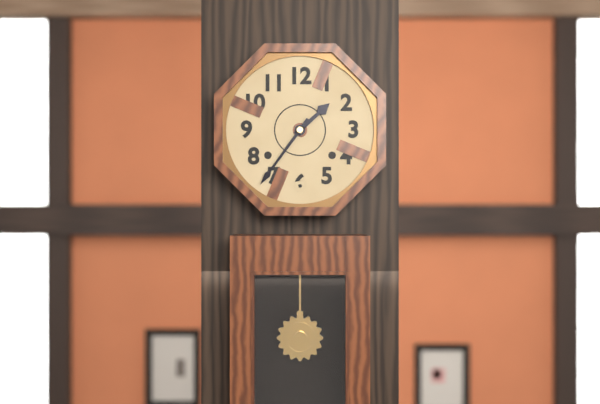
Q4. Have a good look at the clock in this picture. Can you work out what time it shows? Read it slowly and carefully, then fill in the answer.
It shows 1:36
